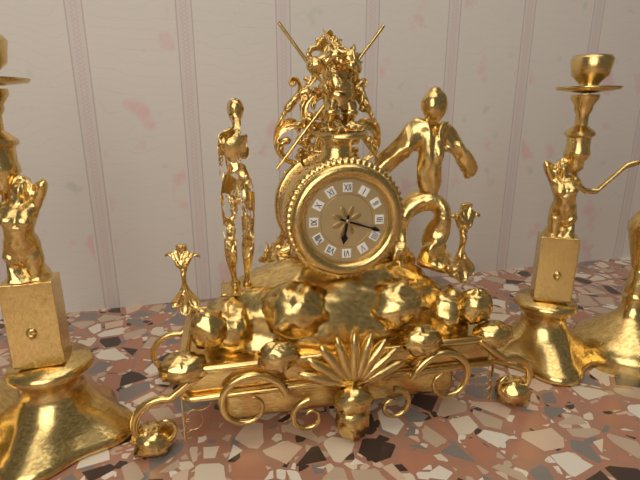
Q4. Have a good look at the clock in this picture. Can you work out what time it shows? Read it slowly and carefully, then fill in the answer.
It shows 6:18
